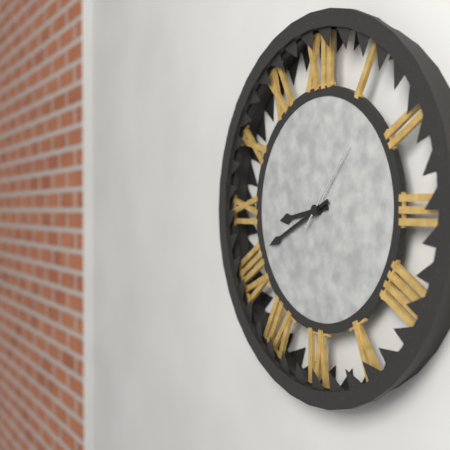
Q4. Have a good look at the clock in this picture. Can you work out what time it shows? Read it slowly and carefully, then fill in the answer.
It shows 8:41:07
